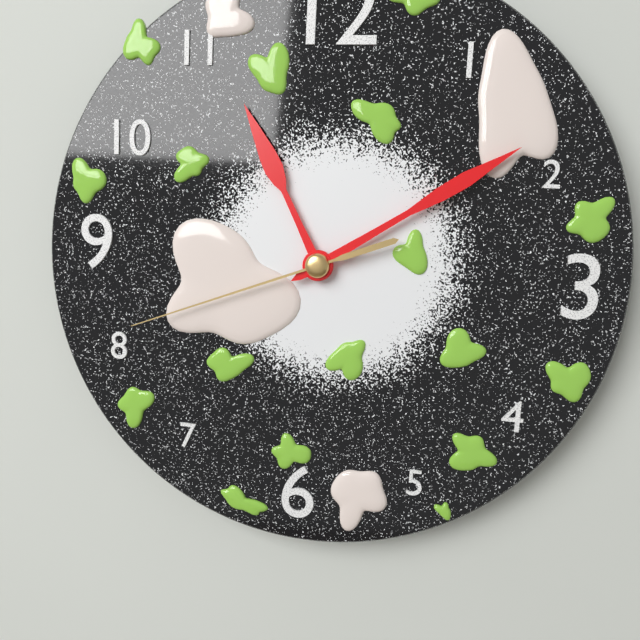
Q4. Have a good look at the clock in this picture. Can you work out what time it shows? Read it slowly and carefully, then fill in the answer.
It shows 11:10:42
